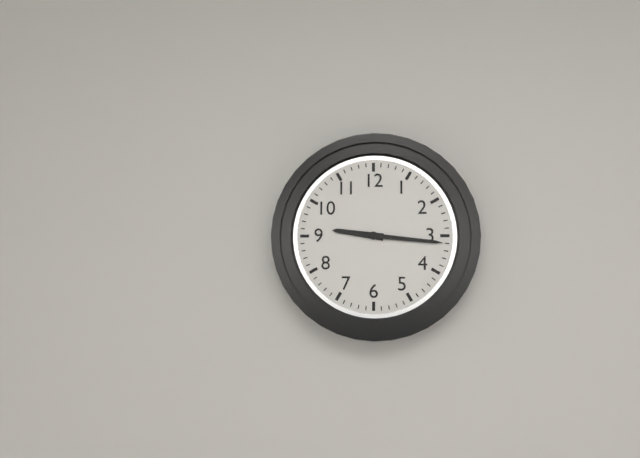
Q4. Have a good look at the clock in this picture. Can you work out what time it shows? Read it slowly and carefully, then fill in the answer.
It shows 9:16
